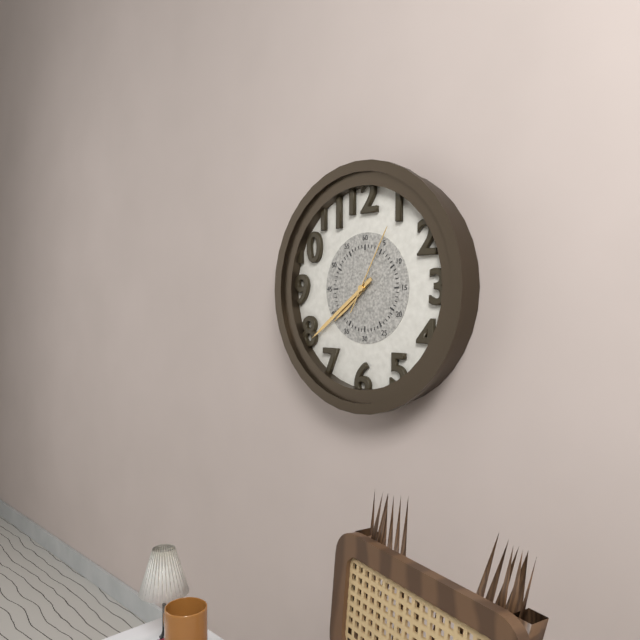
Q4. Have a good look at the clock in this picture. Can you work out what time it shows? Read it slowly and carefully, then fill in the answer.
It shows 7:39:05
